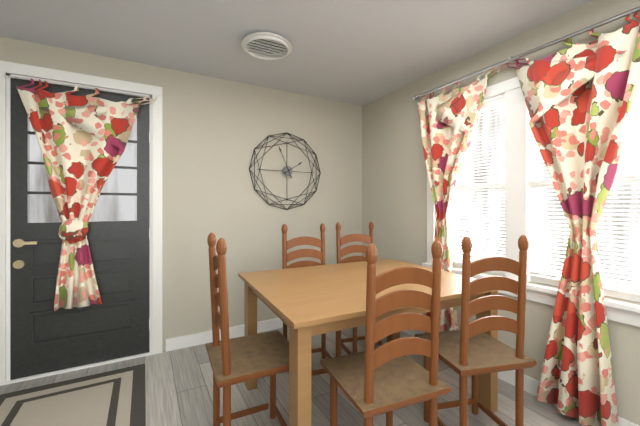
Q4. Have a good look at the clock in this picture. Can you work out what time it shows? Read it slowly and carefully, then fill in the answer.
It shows 1:56
